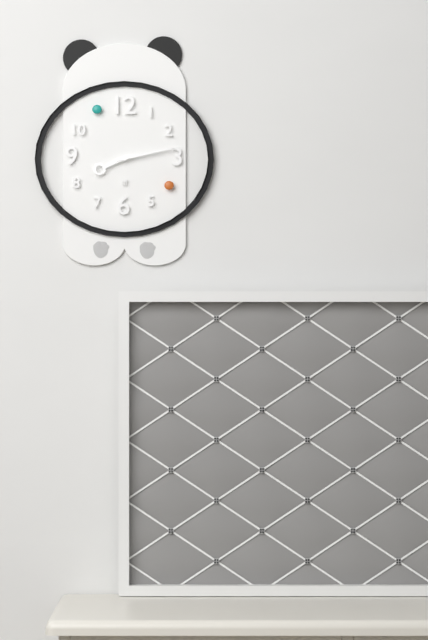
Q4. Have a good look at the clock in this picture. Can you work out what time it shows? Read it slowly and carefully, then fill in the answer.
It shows 8:13
